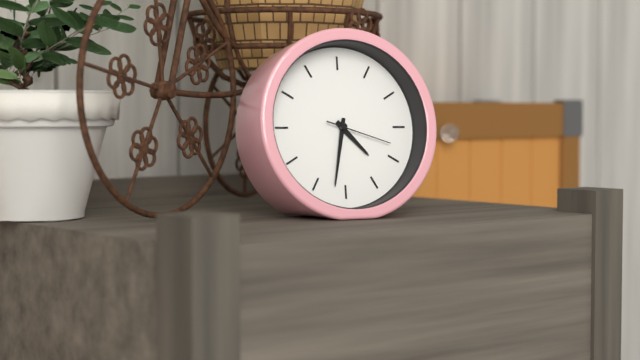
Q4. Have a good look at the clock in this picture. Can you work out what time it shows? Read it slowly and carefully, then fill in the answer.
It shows 4:32:18
